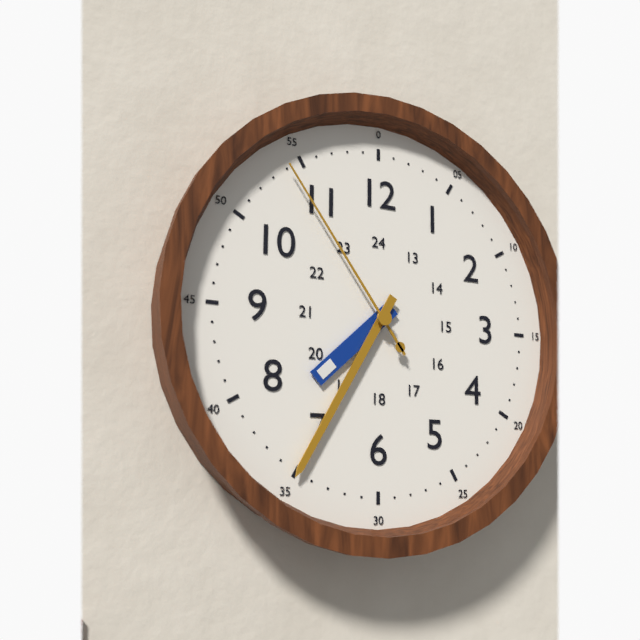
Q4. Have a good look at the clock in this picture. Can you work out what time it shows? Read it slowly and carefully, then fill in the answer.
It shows 7:35:54
